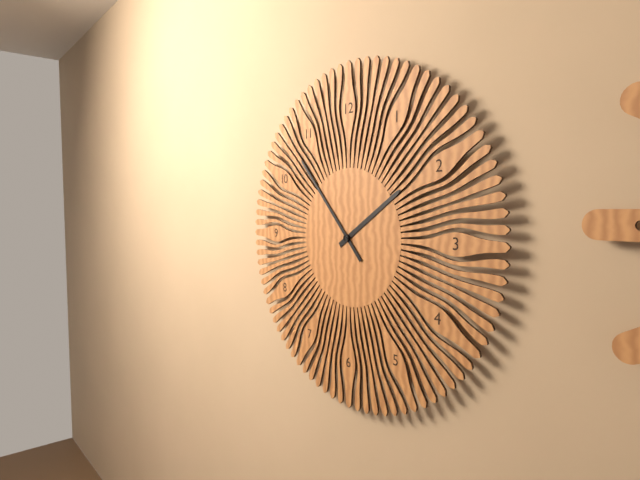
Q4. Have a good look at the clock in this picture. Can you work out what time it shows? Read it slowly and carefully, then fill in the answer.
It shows 1:53
